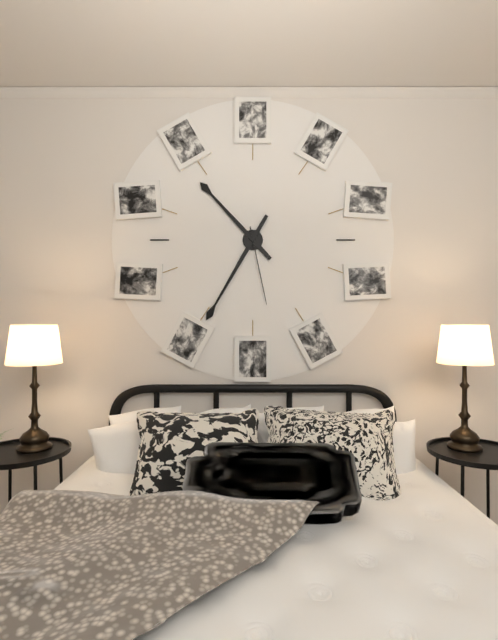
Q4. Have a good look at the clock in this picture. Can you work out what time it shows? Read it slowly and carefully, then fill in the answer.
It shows 10:35:28
